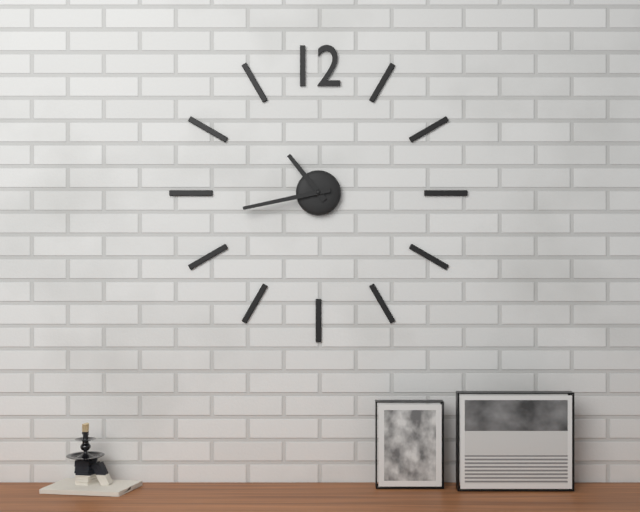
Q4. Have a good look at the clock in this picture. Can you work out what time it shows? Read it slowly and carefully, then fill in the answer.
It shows 10:43
